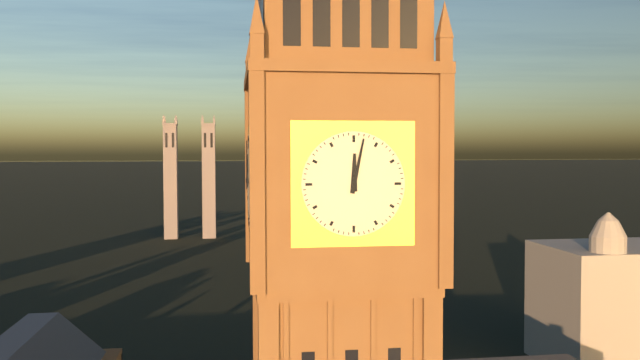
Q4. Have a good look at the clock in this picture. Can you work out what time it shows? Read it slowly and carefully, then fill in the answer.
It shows 12:02
